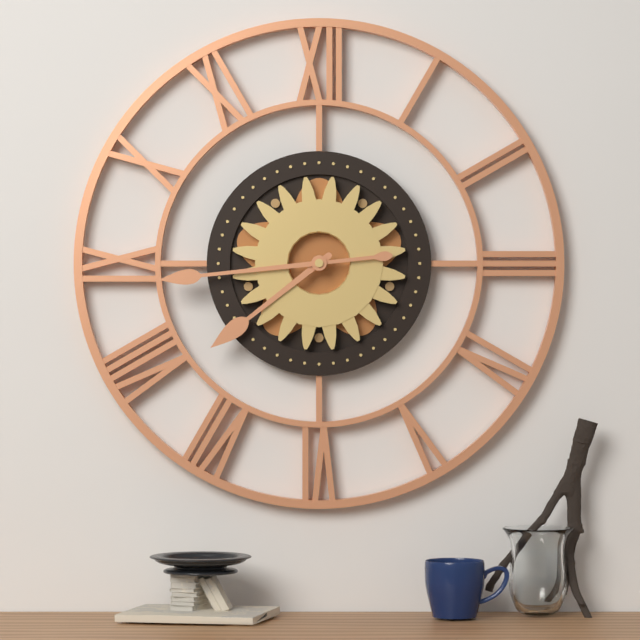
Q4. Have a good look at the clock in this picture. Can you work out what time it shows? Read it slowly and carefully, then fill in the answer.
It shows 7:44
